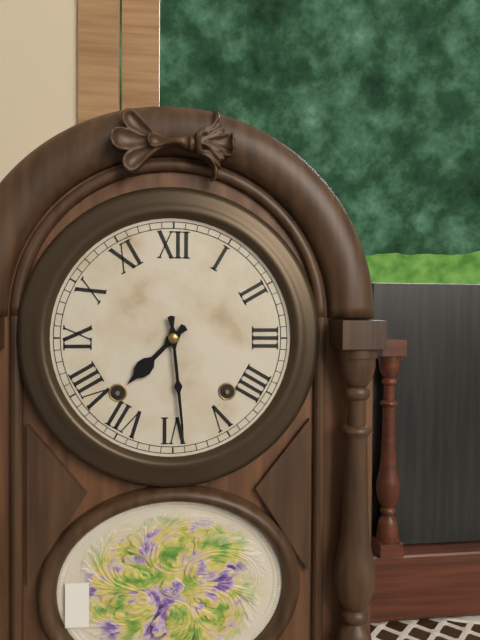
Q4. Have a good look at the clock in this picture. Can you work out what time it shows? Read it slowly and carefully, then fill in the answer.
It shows 7:29
